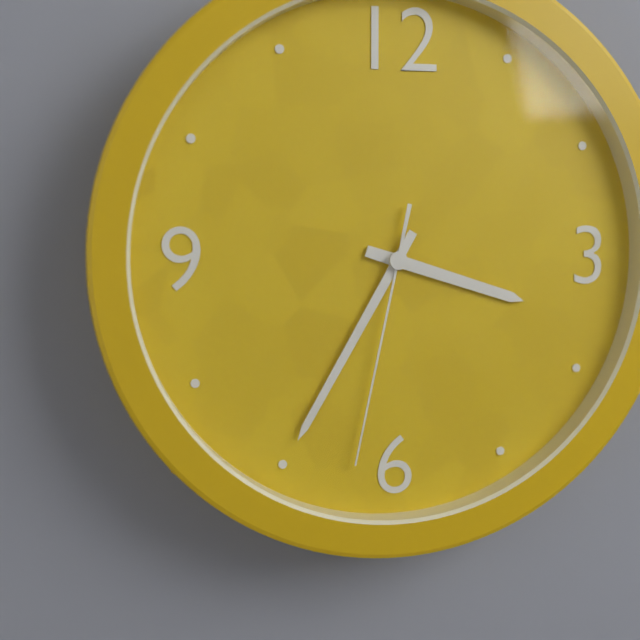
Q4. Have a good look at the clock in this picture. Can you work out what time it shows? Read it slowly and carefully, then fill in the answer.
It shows 3:35:32
